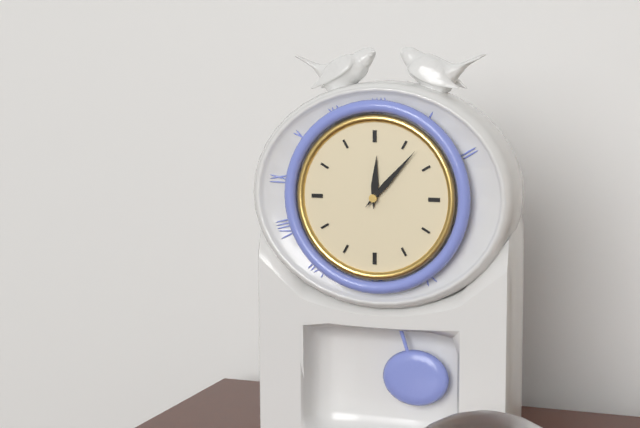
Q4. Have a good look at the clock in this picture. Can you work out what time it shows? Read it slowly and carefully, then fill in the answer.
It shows 12:07
